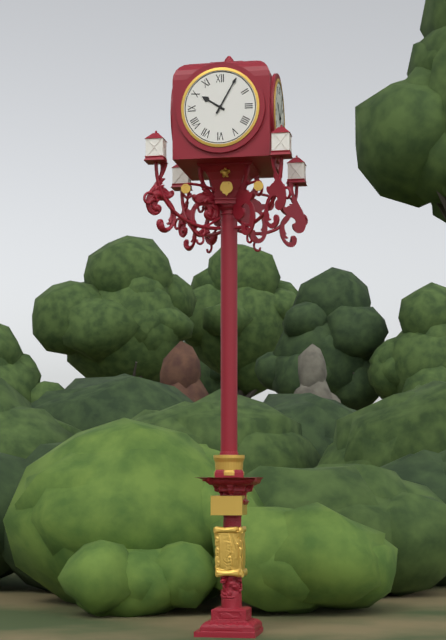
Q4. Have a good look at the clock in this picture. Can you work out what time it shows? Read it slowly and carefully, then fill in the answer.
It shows 10:05
